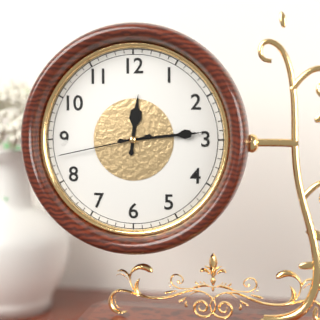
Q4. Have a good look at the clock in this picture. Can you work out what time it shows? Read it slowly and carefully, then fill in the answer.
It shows 12:14:43
